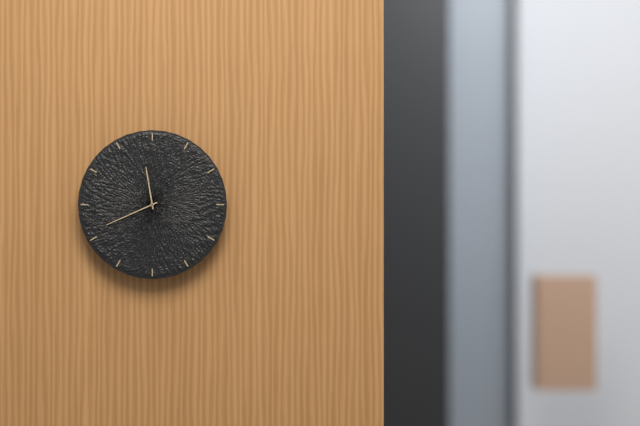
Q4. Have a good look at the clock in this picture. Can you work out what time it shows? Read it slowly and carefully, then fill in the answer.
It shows 11:41
